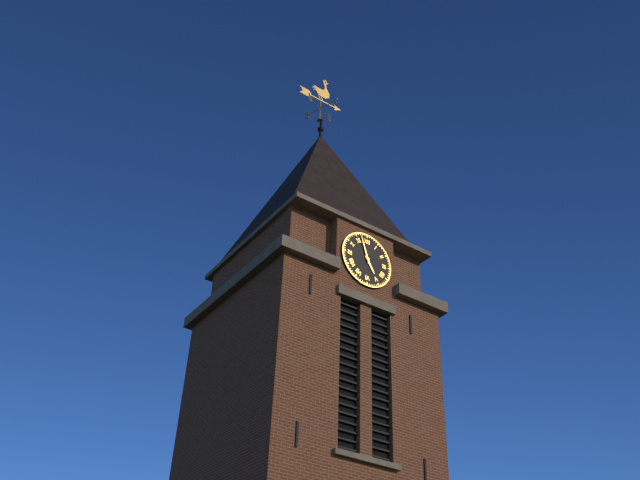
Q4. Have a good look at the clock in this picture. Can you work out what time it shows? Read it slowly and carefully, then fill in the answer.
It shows 4:57
